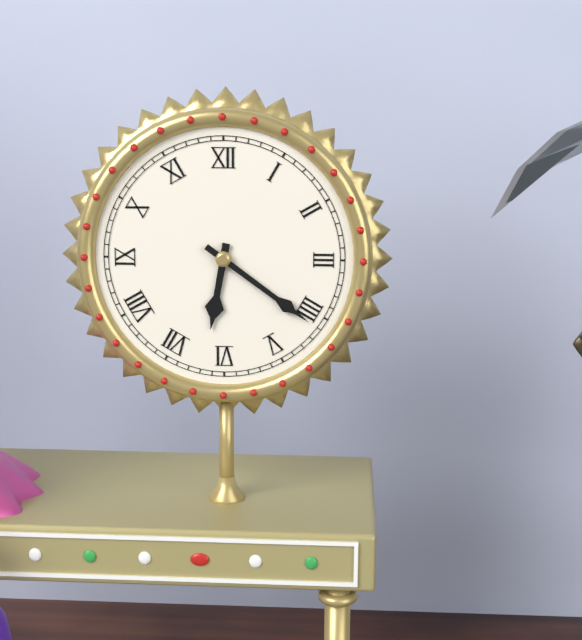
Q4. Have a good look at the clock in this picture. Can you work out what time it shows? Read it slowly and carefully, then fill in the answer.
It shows 6:21
